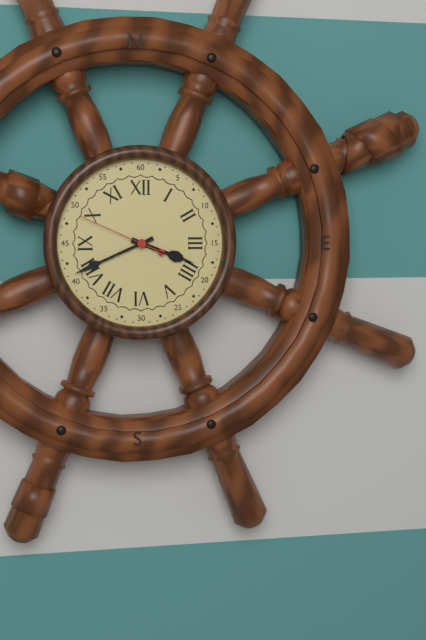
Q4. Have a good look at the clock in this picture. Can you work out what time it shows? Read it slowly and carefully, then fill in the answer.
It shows 3:41:49
